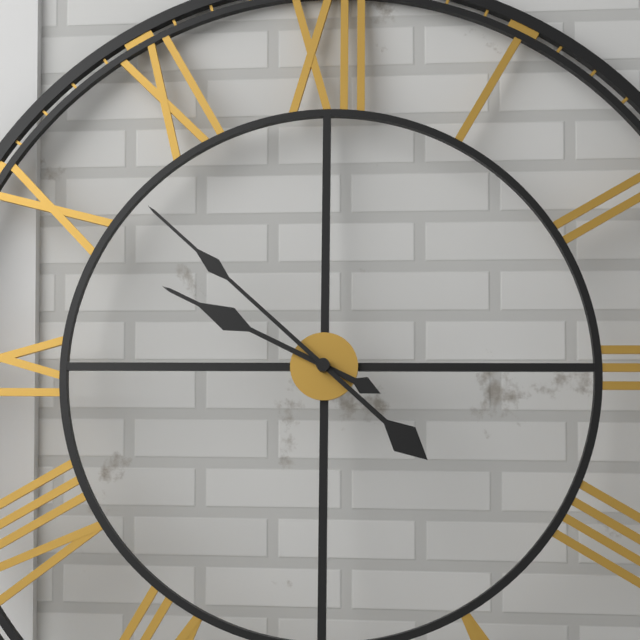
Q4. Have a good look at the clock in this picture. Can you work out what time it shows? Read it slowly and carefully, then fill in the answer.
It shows 9:52
